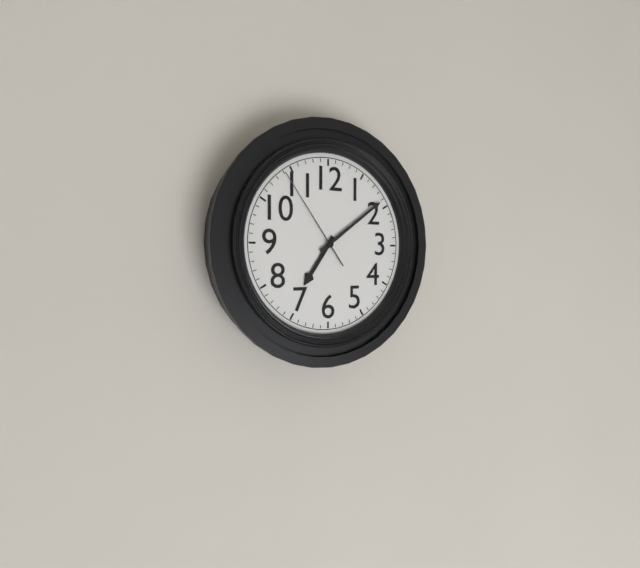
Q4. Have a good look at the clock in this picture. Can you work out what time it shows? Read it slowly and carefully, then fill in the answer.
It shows 7:09:54
